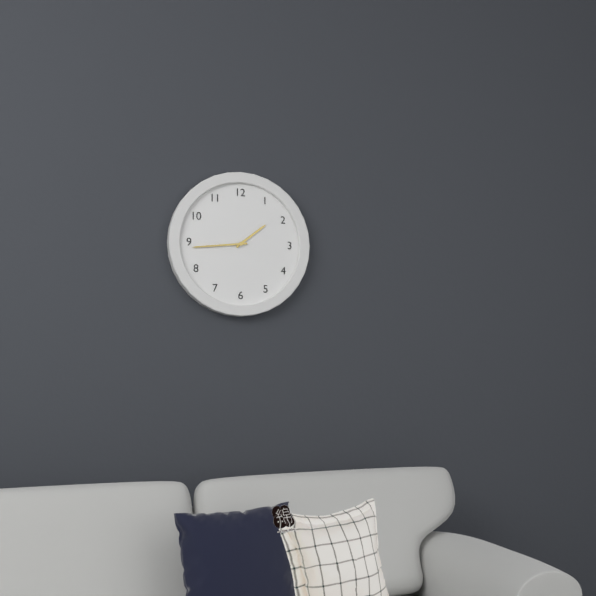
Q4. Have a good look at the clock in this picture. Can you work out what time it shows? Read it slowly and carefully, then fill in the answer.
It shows 1:44
